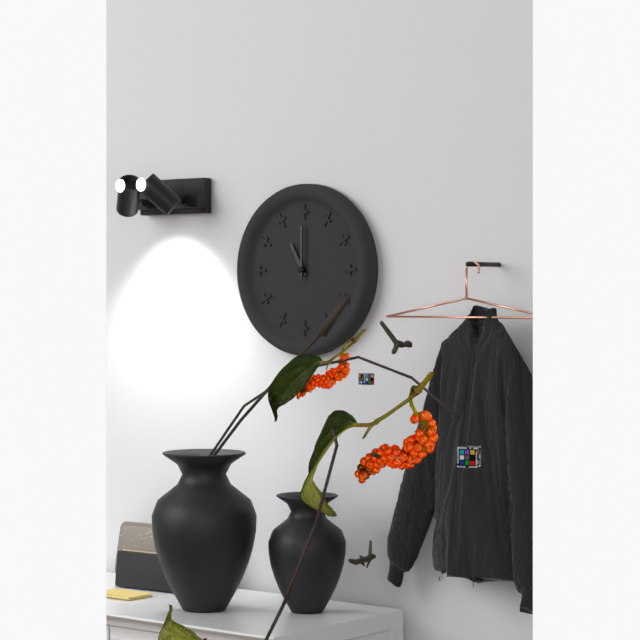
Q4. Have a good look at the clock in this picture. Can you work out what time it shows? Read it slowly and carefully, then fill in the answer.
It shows 11:00
